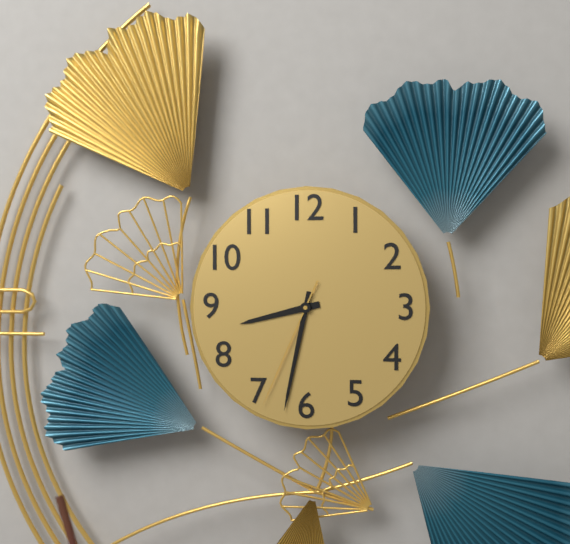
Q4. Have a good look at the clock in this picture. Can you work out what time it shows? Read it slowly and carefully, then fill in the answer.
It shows 8:32:34
